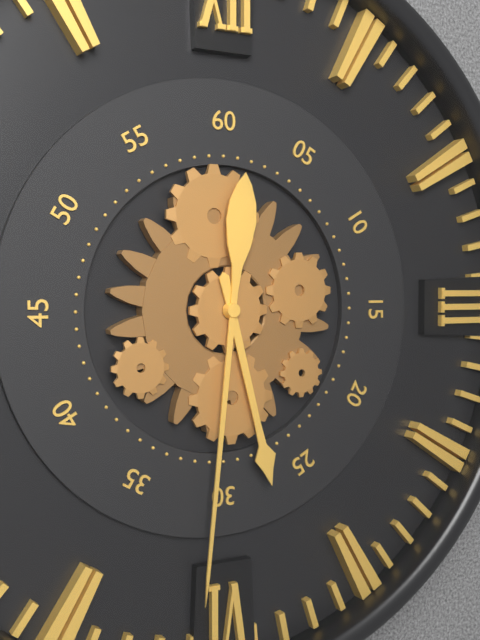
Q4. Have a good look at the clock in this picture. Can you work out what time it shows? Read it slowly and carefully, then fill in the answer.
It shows 5:31
